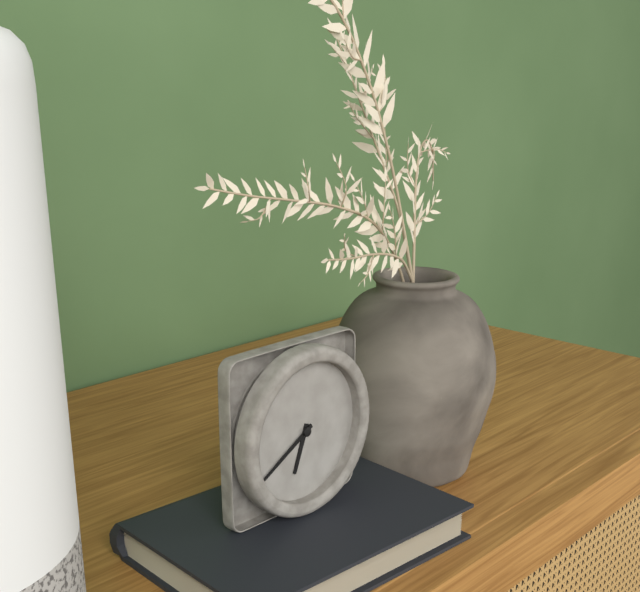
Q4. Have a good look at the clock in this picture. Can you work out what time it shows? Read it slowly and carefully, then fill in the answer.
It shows 6:40
